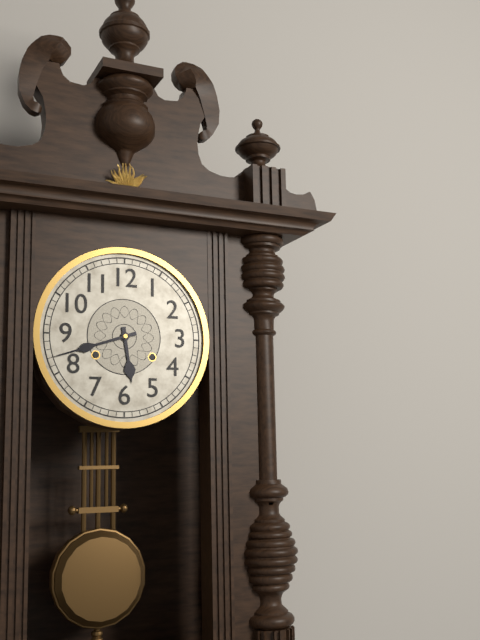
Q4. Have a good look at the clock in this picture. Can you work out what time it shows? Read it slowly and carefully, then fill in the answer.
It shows 5:42
